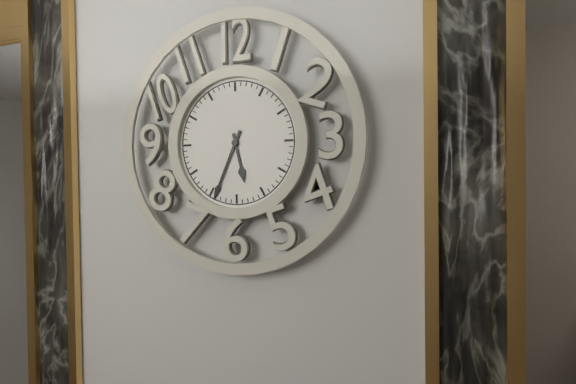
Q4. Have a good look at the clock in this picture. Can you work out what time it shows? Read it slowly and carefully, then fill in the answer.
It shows 5:34
